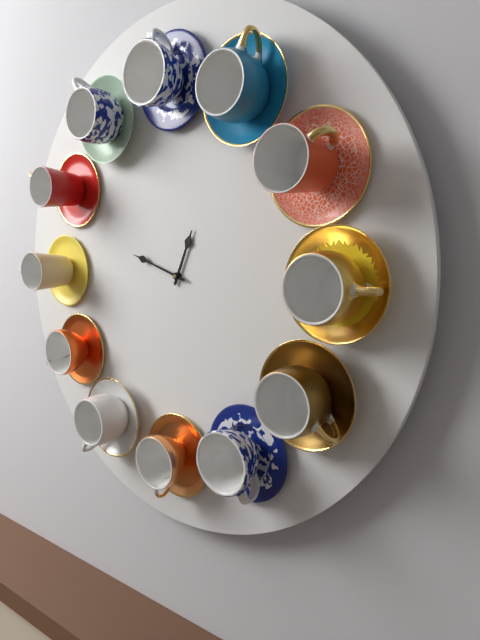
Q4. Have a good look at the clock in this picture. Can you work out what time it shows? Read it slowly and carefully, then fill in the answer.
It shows 12:48
